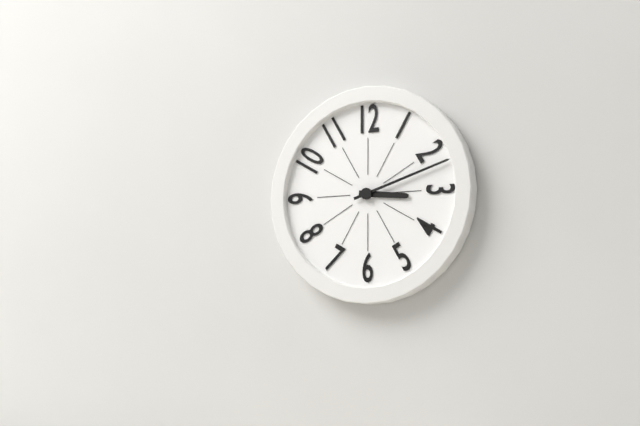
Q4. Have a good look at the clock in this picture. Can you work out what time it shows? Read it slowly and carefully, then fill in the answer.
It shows 3:12
